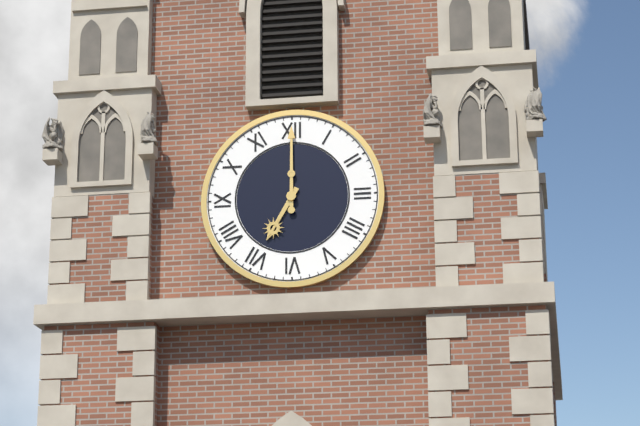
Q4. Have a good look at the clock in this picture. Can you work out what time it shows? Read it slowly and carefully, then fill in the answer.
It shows 7:00
